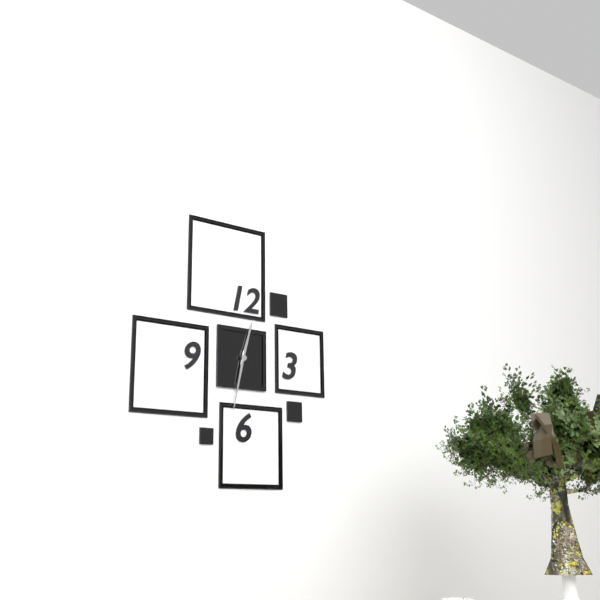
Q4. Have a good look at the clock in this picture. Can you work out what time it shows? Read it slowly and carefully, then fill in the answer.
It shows 12:32
